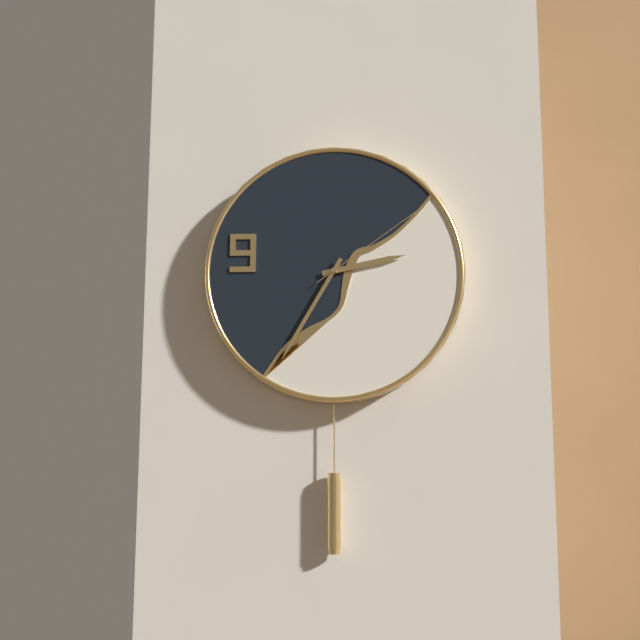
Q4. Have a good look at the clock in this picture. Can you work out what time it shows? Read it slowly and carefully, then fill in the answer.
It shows 2:35:09
